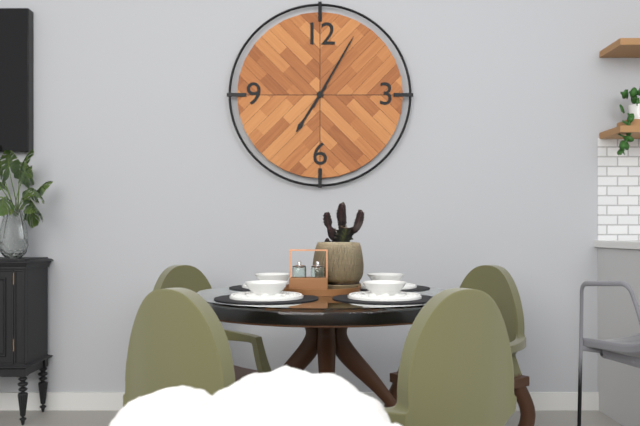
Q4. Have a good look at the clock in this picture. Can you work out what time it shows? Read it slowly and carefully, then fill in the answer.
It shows 7:05
